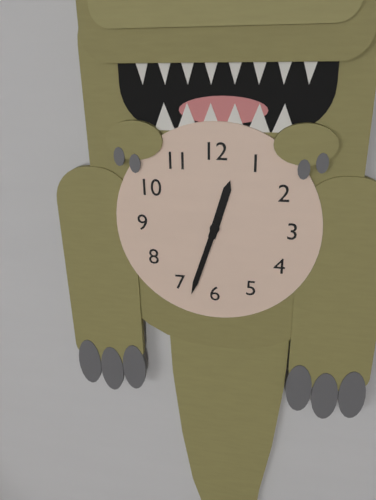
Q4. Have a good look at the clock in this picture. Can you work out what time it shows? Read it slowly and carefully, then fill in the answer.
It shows 12:33
